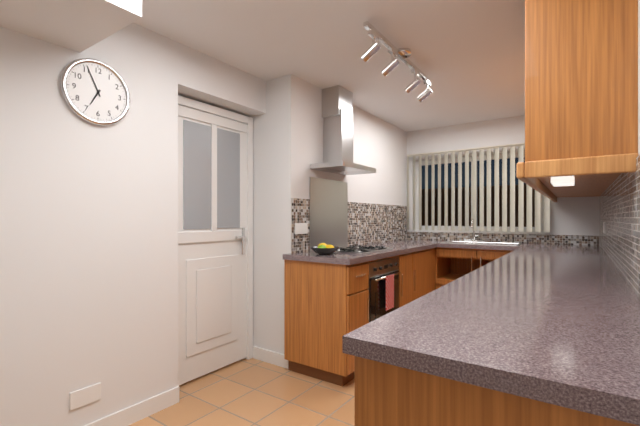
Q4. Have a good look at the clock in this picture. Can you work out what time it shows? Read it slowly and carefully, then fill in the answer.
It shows 6:56
